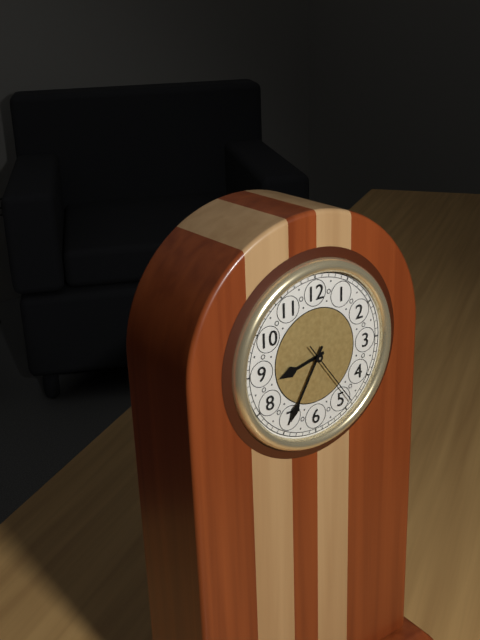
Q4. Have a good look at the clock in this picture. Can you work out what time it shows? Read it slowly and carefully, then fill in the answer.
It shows 8:35:24
